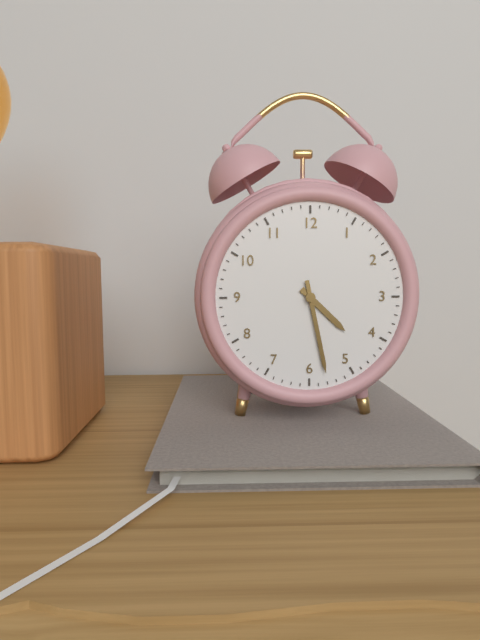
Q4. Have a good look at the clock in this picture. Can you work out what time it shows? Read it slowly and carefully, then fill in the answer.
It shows 4:28
